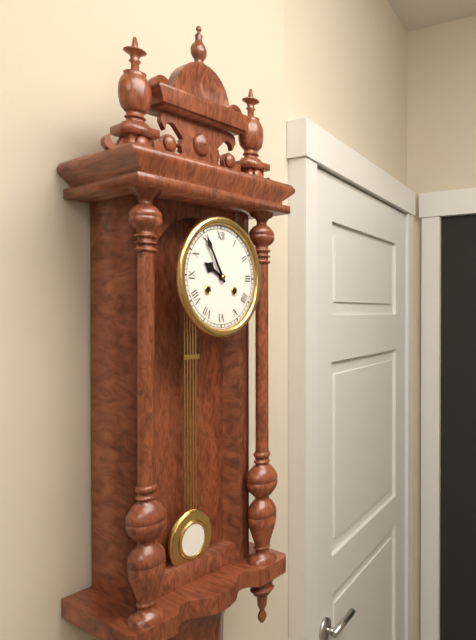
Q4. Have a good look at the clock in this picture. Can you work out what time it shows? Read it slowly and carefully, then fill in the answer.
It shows 9:55
